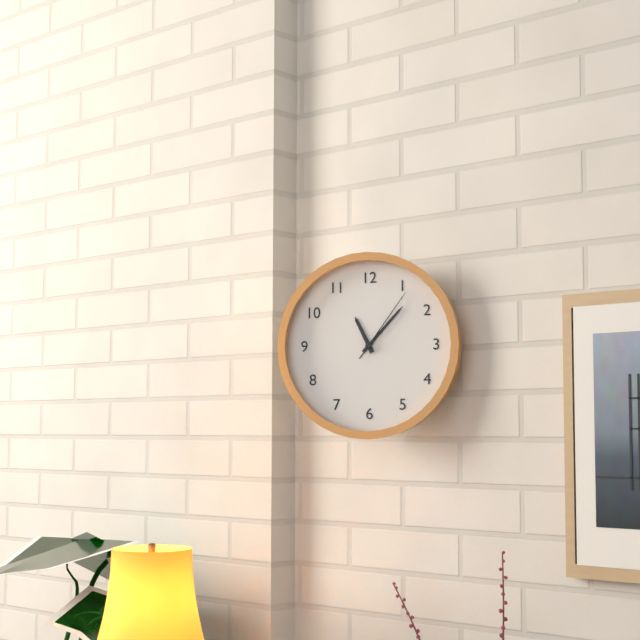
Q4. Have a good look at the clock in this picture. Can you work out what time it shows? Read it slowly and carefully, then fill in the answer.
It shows 11:07:06
